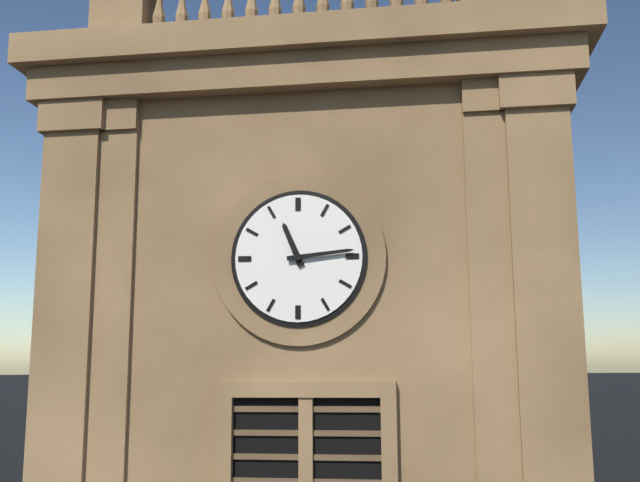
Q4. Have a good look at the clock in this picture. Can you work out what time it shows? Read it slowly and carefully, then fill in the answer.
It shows 11:14
